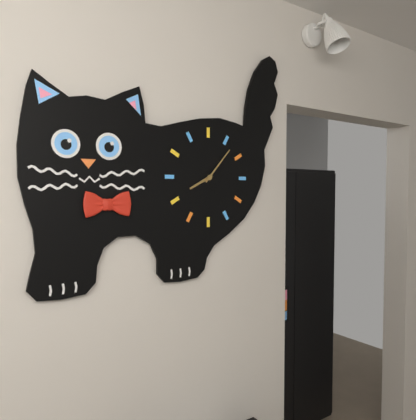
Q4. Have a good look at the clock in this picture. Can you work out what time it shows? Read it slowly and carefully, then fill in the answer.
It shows 8:07
